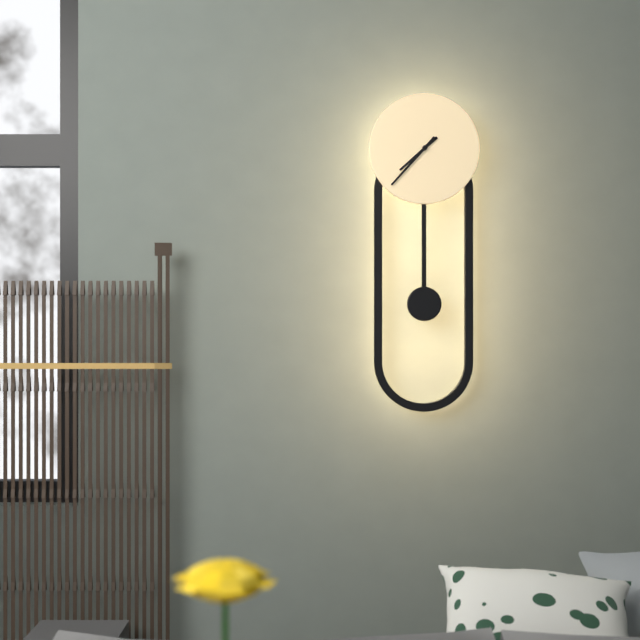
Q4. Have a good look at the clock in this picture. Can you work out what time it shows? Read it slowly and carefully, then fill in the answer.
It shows 7:37
